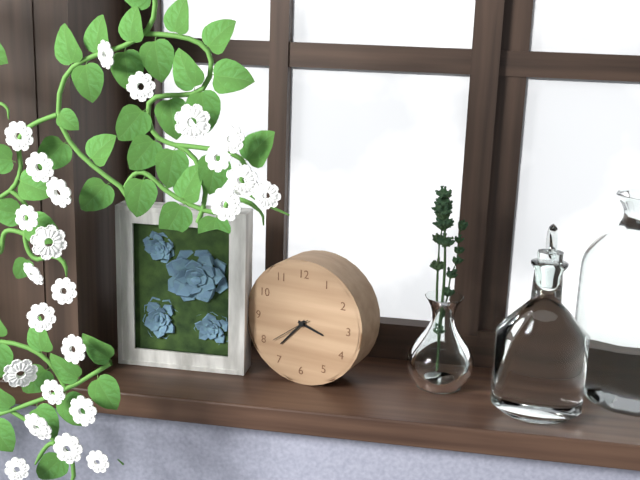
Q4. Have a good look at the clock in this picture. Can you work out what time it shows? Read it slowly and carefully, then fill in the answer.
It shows 3:37:39
